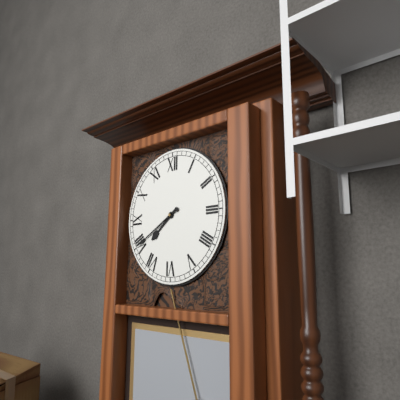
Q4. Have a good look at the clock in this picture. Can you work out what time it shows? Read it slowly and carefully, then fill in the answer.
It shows 7:40
